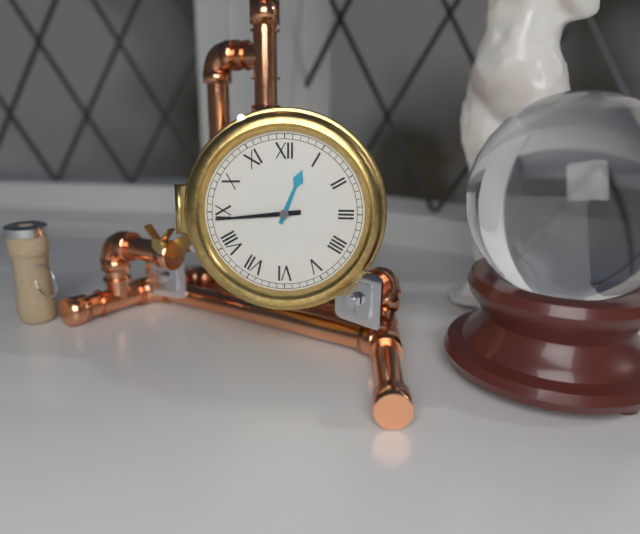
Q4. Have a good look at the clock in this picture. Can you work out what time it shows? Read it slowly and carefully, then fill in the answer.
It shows 12:44
